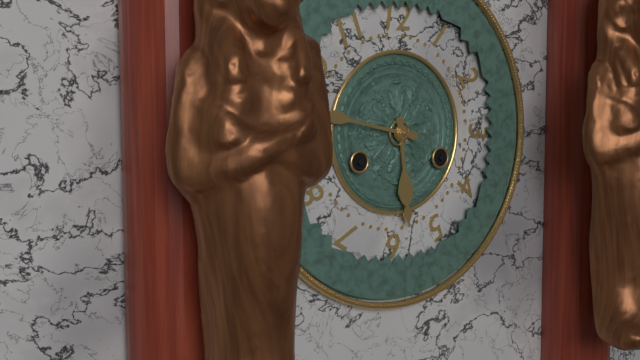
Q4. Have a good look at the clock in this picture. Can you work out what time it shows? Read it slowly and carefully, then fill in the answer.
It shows 5:47
